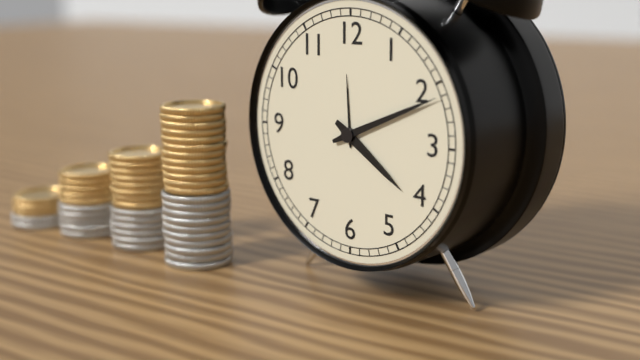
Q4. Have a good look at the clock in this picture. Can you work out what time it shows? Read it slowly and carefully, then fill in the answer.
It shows 4:11
